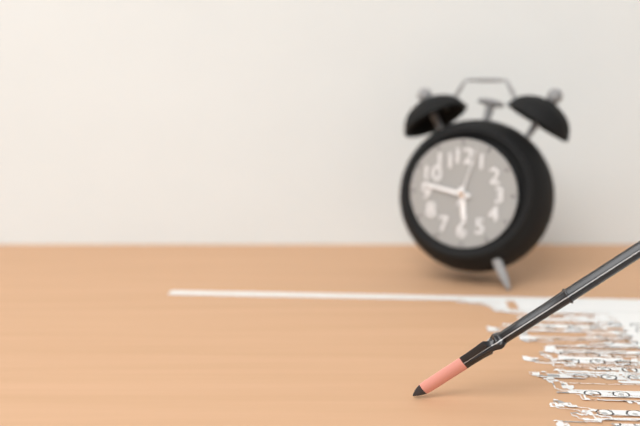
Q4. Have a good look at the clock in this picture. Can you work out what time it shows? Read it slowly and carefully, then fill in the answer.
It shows 5:47:03
